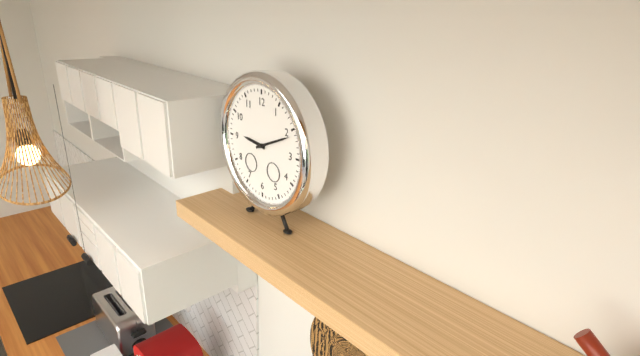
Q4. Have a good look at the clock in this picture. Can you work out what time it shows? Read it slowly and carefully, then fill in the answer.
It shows 9:11
